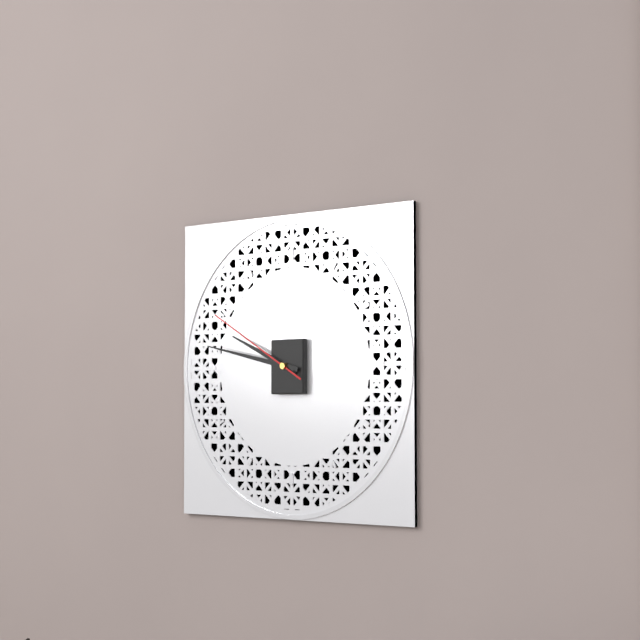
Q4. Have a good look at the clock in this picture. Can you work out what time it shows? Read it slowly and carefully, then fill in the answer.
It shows 9:47:50
